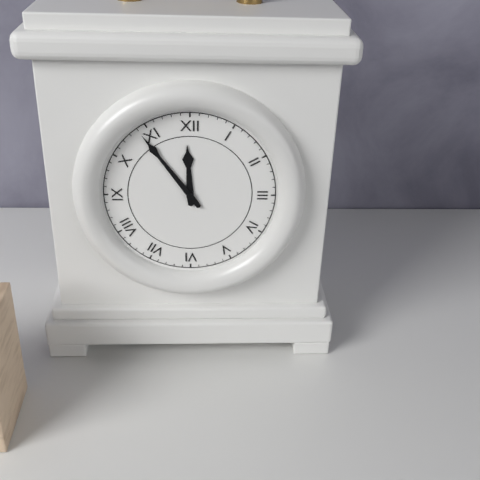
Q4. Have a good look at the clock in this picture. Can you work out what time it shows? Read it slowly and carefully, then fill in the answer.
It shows 11:54
